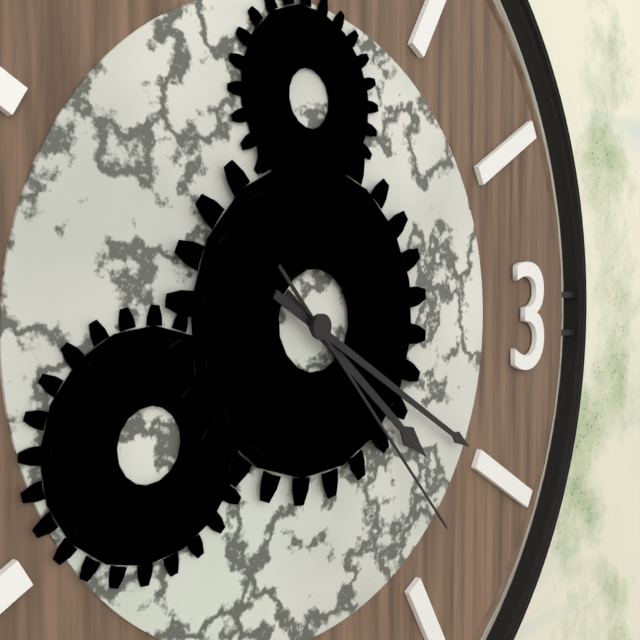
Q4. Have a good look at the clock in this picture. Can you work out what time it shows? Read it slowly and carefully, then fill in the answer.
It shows 4:20:23
